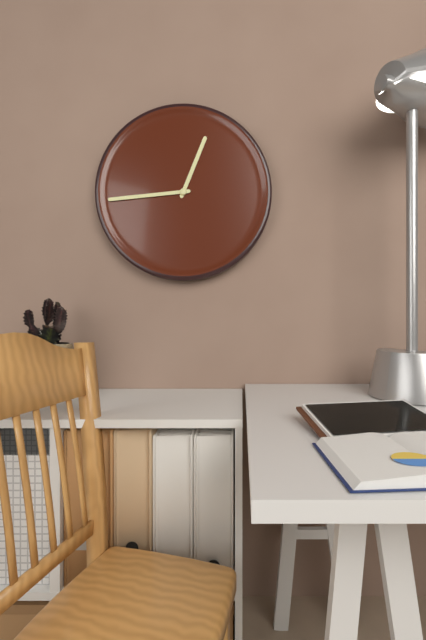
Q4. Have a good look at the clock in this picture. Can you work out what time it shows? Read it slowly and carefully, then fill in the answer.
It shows 12:44
